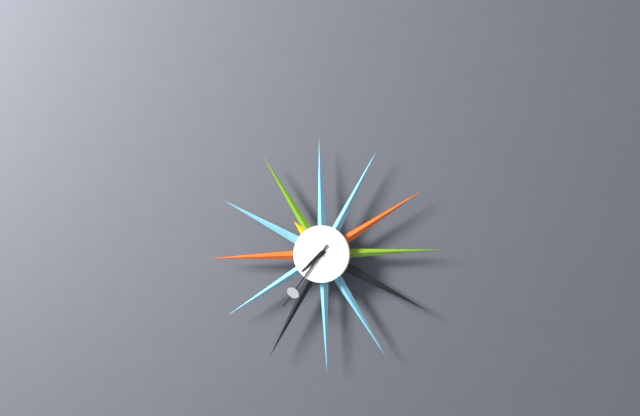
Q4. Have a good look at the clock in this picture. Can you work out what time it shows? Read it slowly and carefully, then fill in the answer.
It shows 7:36
